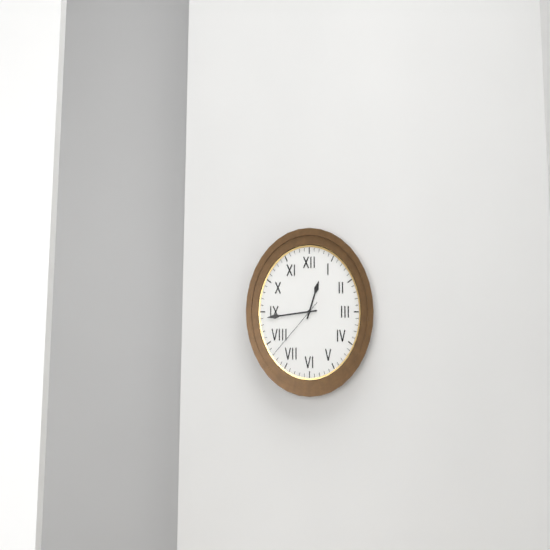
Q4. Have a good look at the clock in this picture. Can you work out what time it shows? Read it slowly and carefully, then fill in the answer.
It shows 12:44:38
